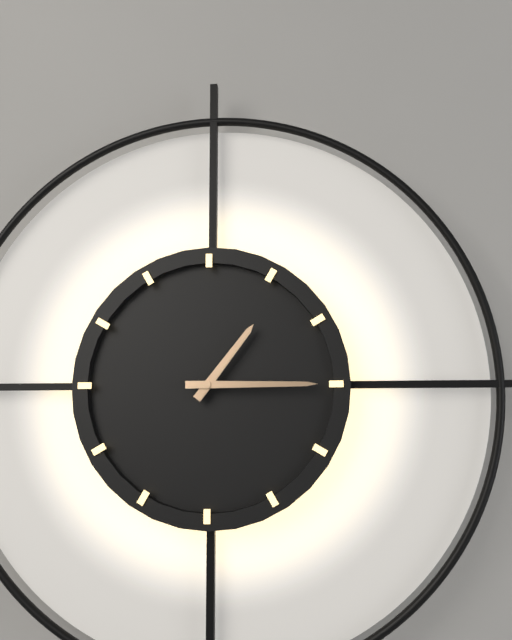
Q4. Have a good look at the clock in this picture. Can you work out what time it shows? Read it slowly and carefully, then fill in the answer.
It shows 1:15
